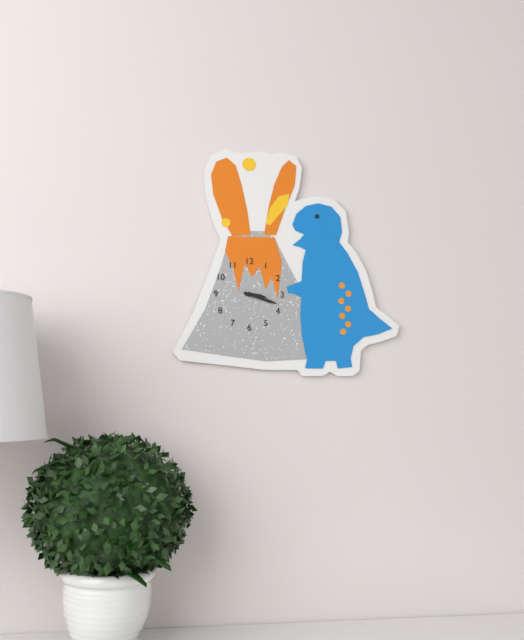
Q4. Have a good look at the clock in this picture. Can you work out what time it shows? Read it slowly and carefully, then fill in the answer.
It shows 3:18
